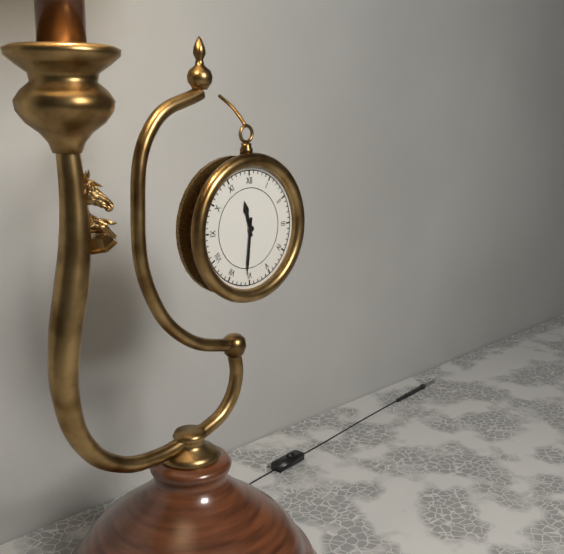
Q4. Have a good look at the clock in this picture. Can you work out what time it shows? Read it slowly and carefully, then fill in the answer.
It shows 11:31
